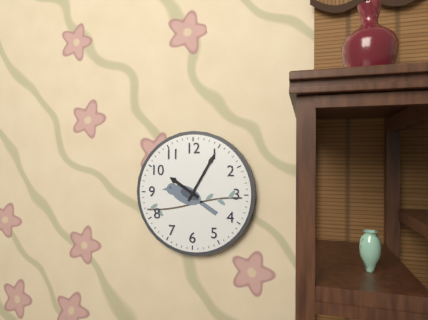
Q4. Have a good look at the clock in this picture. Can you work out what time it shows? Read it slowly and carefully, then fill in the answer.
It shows 10:05
